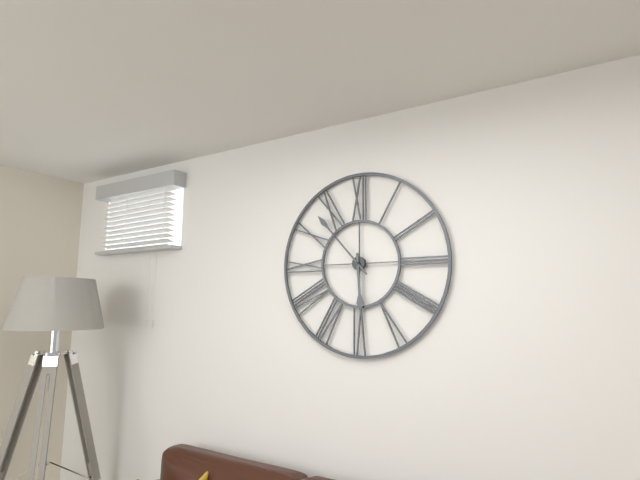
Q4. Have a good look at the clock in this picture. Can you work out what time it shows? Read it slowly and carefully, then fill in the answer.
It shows 5:53
